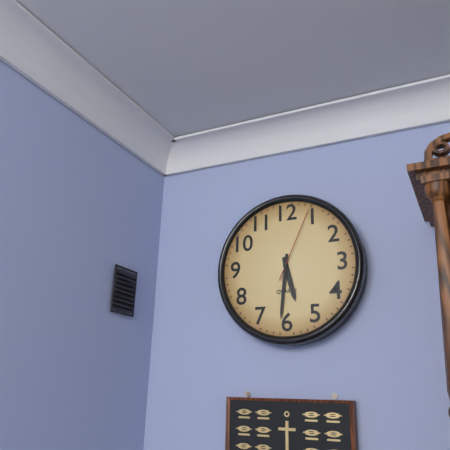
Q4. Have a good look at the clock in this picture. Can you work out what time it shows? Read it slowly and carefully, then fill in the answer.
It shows 5:31:04
